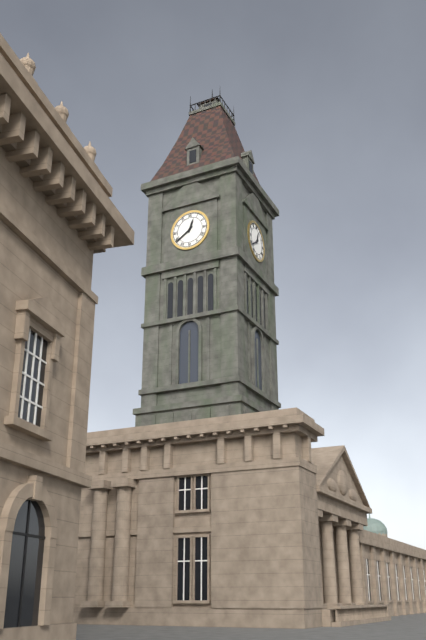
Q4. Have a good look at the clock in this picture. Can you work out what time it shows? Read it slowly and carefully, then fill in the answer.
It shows 12:39
